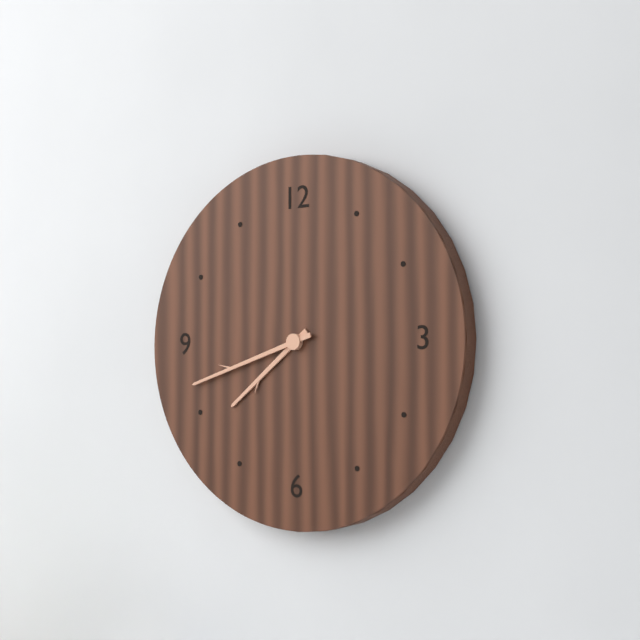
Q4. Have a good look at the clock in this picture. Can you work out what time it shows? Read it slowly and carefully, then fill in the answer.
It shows 7:42
